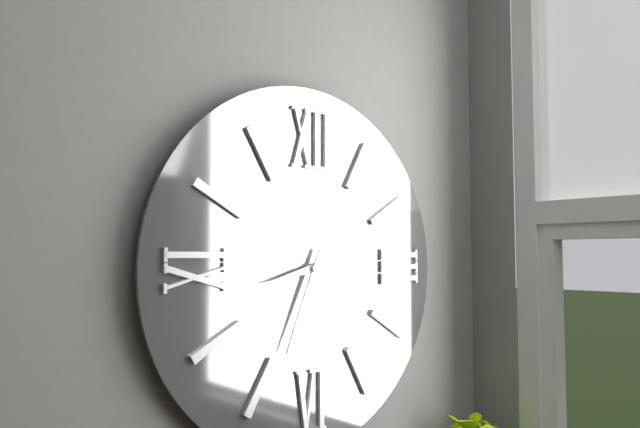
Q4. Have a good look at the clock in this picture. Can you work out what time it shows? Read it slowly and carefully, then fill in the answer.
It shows 8:34
